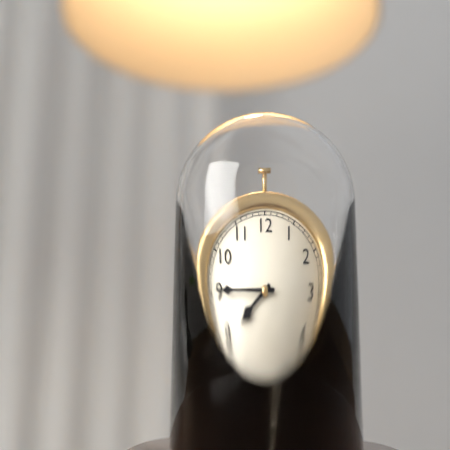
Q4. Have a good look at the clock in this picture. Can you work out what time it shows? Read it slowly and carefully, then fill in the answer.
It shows 7:45
